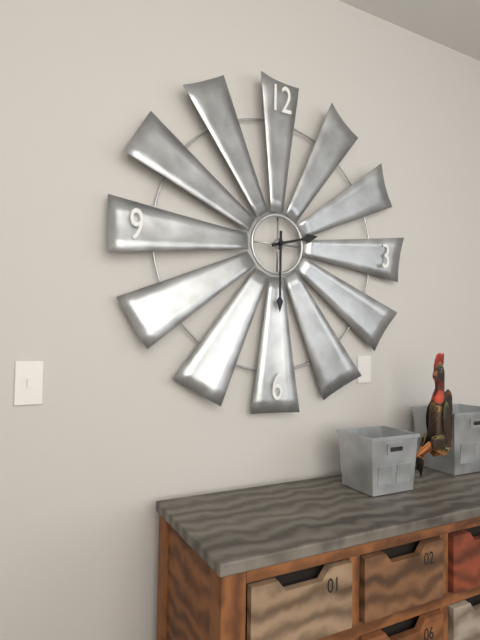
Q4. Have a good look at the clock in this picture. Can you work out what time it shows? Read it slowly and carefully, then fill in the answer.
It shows 2:30
